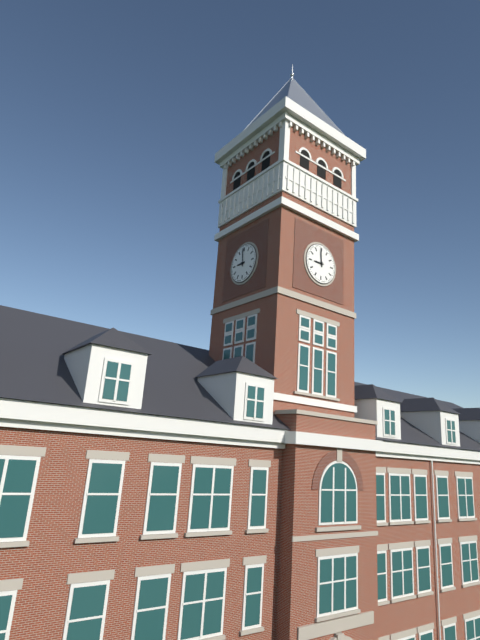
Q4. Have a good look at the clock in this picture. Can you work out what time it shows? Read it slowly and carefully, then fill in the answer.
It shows 8:59
